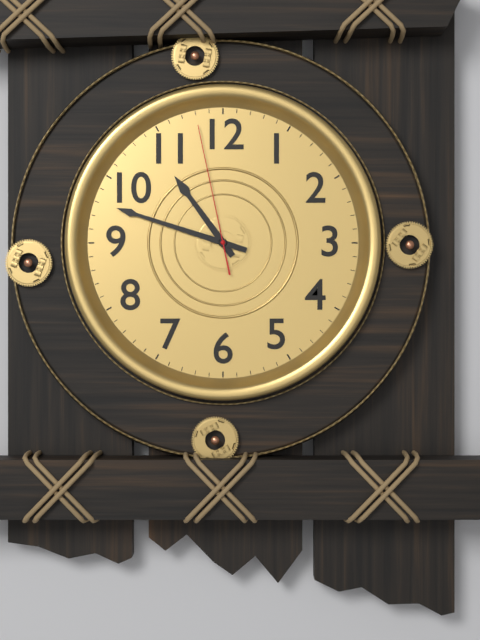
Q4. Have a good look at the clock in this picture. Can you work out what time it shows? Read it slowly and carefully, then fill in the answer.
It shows 10:48:58
